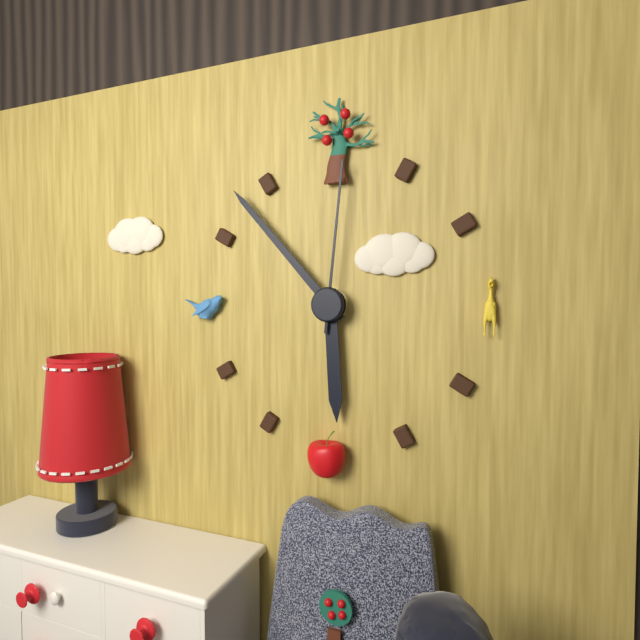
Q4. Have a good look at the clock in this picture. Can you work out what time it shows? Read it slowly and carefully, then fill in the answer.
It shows 5:53:01
